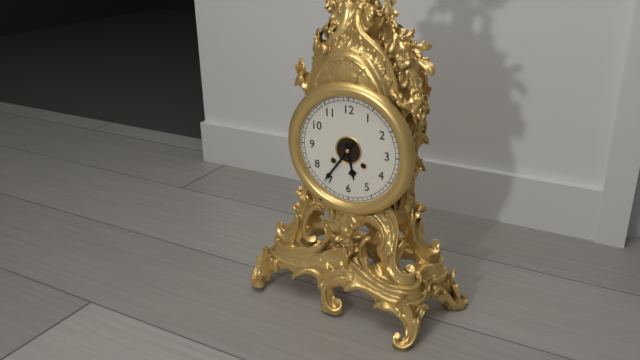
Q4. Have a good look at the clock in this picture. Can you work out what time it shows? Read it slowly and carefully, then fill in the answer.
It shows 5:36
